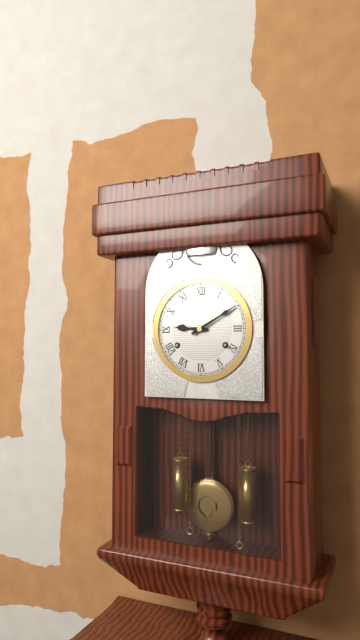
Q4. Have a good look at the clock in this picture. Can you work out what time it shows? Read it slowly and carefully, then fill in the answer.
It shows 9:10
